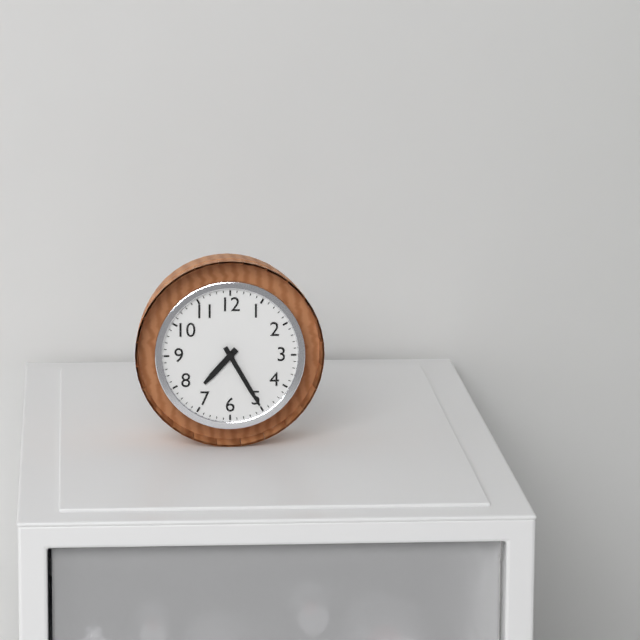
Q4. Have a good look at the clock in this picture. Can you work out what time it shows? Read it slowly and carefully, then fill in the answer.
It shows 7:25
